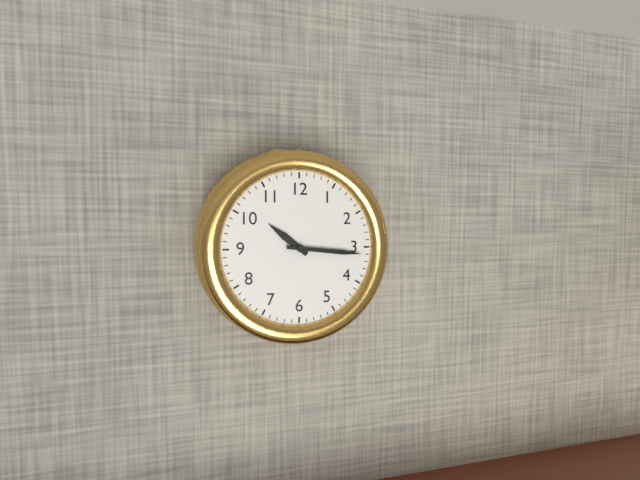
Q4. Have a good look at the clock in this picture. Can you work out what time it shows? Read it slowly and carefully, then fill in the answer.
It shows 10:16
